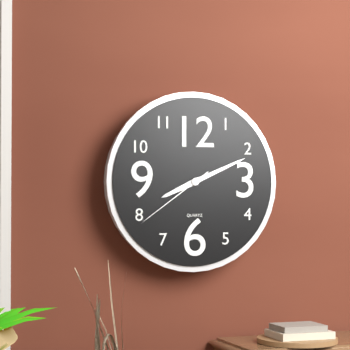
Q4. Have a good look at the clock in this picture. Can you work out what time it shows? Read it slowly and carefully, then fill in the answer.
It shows 8:11:39
